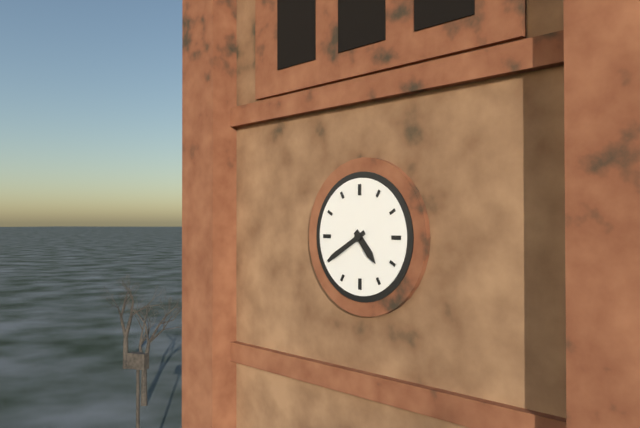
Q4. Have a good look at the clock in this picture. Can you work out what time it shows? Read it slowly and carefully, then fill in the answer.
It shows 4:40
